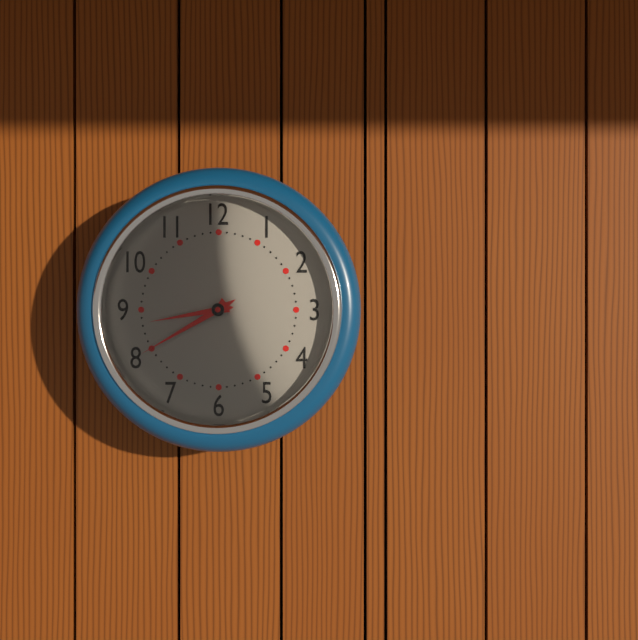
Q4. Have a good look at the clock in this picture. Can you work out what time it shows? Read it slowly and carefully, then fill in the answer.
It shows 8:40
